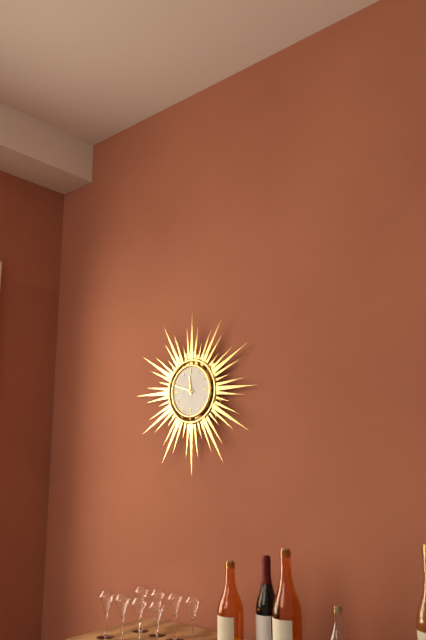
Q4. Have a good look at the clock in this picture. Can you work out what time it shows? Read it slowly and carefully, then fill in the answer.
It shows 11:48
